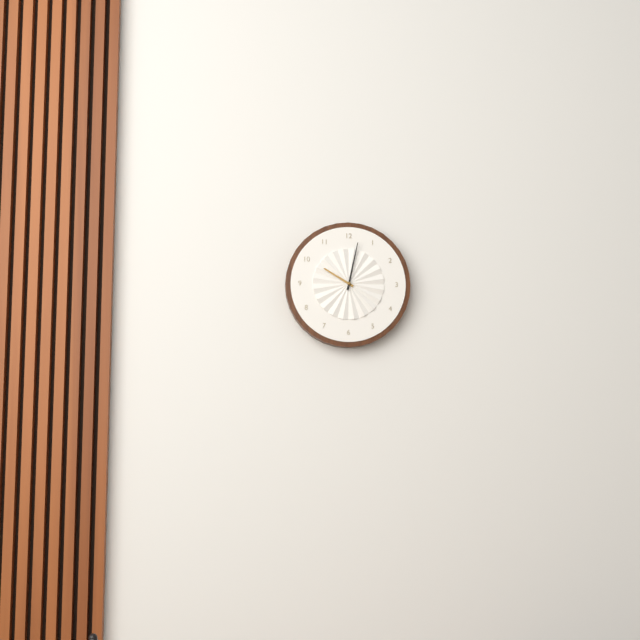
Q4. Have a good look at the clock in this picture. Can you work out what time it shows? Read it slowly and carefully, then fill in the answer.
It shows 10:02
